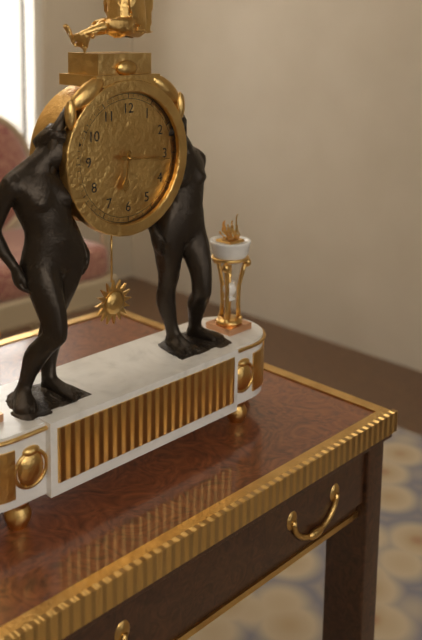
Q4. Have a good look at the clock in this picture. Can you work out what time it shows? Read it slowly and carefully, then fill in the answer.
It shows 6:16
